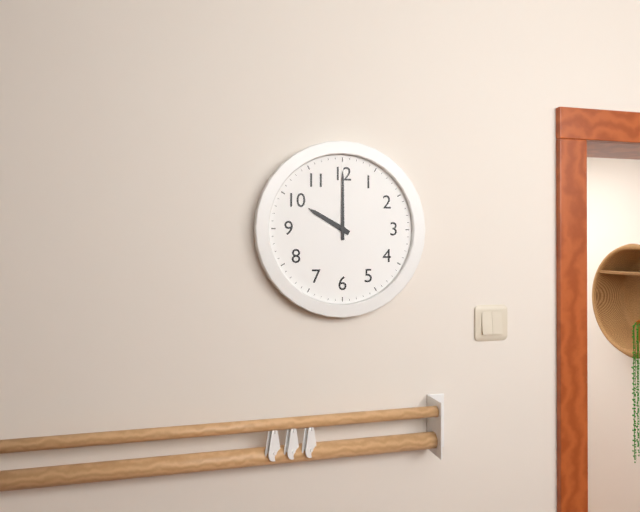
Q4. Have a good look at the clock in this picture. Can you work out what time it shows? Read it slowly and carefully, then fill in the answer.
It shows 10:00
